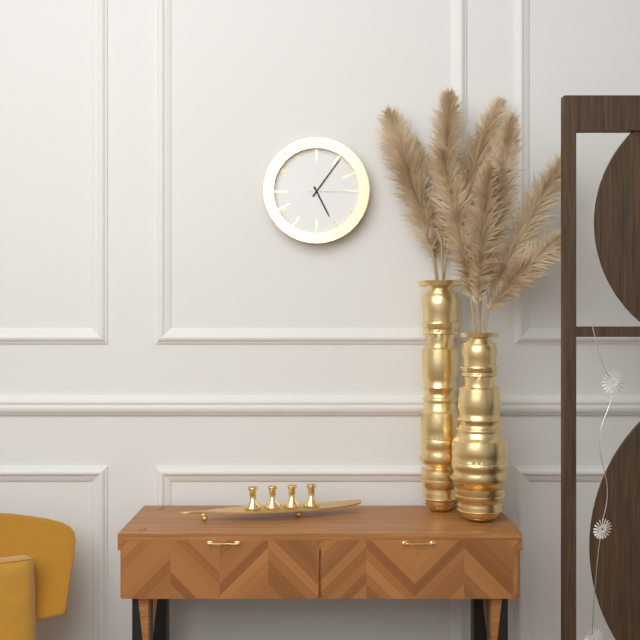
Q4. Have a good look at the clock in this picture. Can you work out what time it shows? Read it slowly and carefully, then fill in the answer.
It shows 5:06
